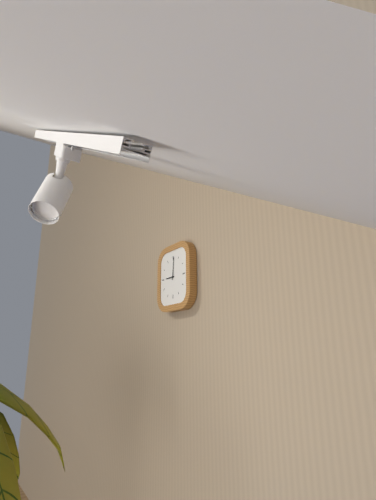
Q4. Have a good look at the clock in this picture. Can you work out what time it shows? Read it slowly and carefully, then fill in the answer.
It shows 9:01
